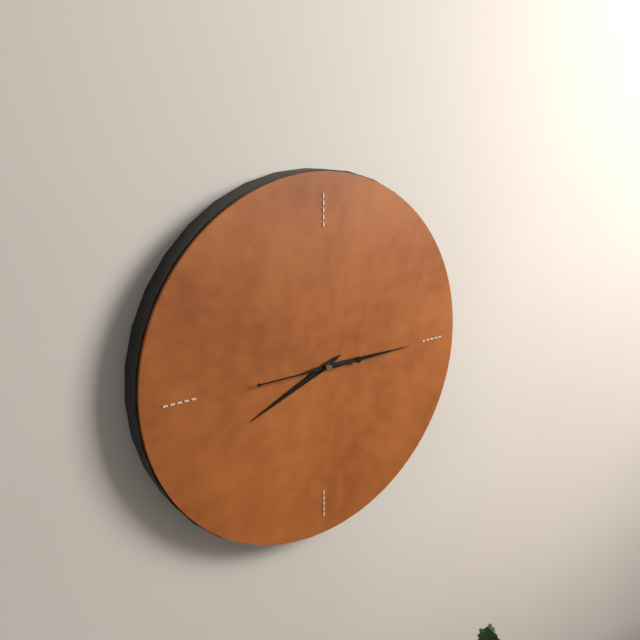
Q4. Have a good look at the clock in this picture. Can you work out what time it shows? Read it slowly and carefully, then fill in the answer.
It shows 8:15:45
